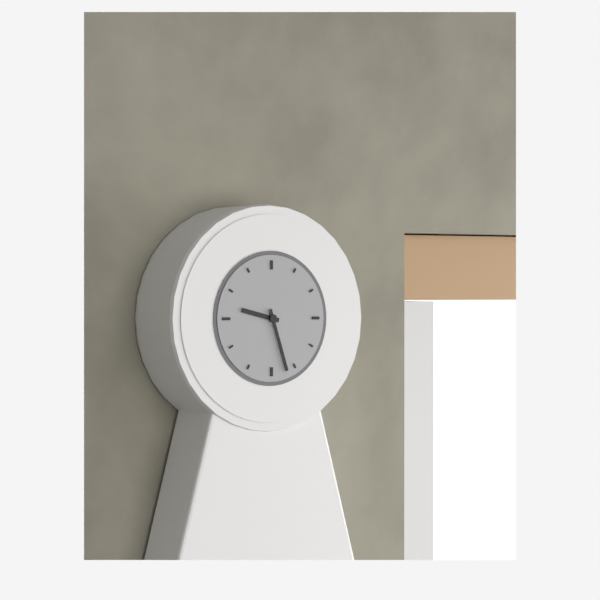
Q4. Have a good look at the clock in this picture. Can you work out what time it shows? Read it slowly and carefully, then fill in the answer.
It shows 9:27
